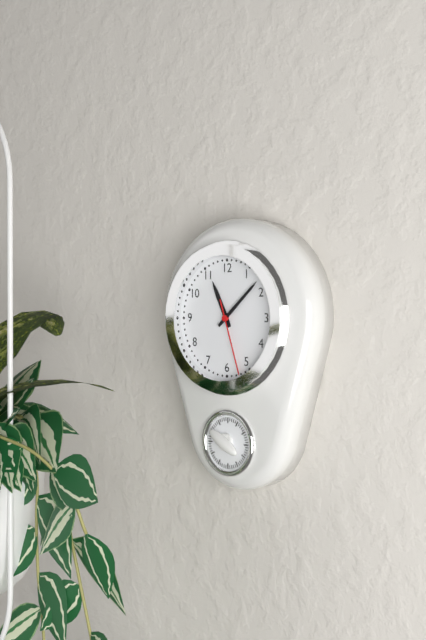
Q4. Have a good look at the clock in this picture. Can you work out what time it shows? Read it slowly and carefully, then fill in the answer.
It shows 11:08:27
